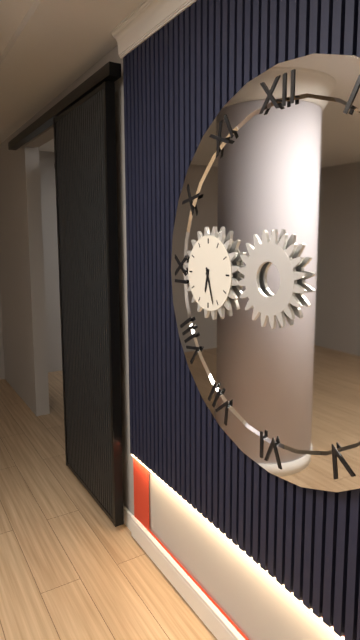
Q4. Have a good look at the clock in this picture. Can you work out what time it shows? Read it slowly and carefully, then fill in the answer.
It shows 6:27
